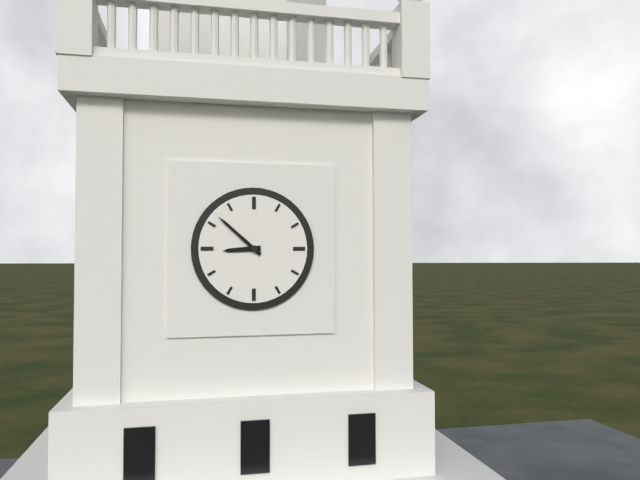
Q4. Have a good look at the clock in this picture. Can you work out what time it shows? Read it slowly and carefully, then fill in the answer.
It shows 8:52
